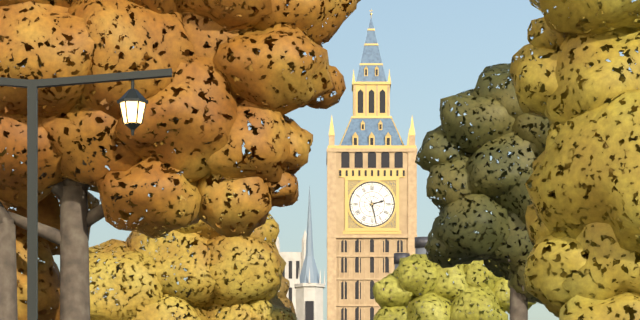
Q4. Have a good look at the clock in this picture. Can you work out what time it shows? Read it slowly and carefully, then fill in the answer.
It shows 2:28
